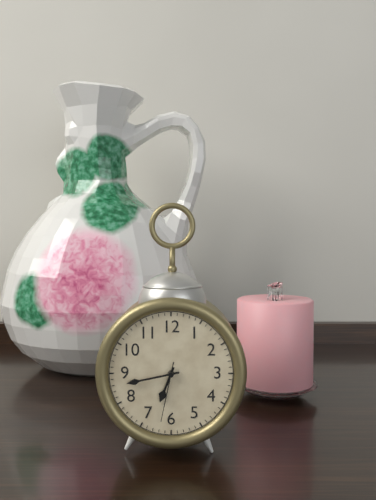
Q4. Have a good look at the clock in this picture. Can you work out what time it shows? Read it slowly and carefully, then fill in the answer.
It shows 6:43:32
